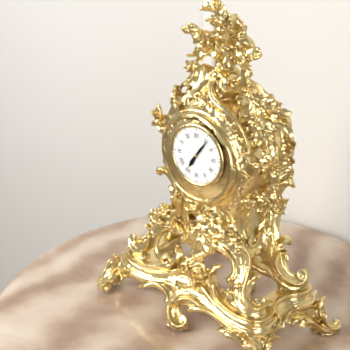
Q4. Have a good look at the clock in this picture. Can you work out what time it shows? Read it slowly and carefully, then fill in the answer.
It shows 7:06
